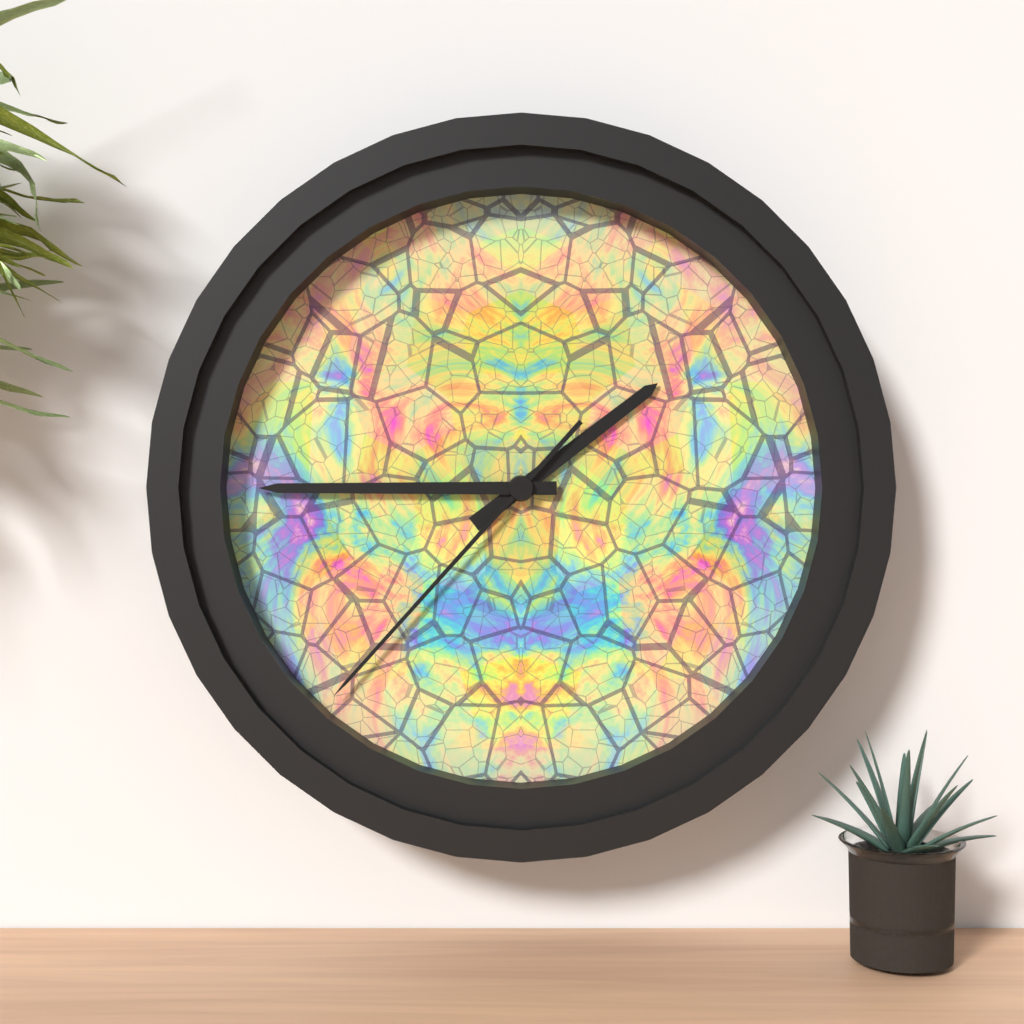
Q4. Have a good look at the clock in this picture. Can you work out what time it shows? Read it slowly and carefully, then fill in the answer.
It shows 1:45:37
